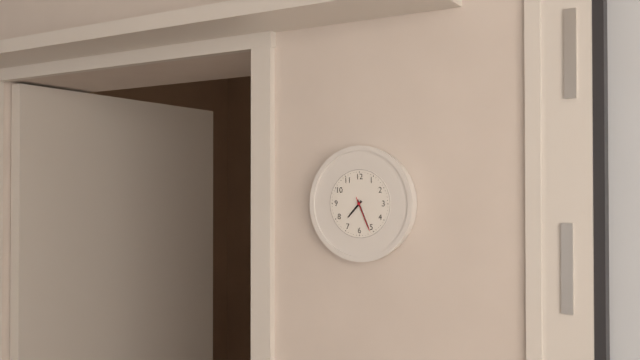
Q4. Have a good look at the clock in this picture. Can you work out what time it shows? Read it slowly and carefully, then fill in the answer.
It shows 7:26
